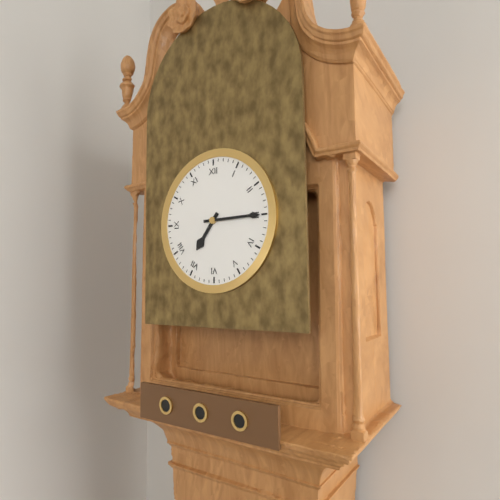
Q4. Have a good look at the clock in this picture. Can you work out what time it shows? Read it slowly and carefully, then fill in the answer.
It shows 7:15
